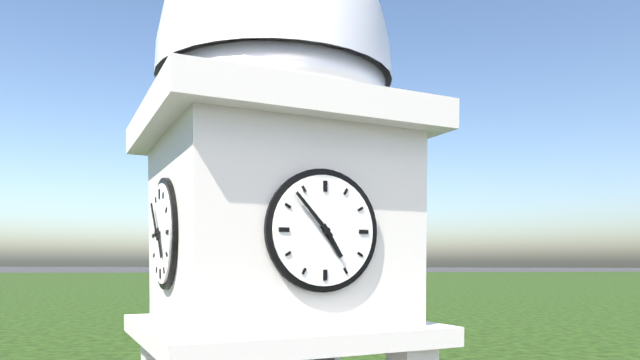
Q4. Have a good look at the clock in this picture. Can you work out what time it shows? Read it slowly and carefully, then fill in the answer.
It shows 4:53
